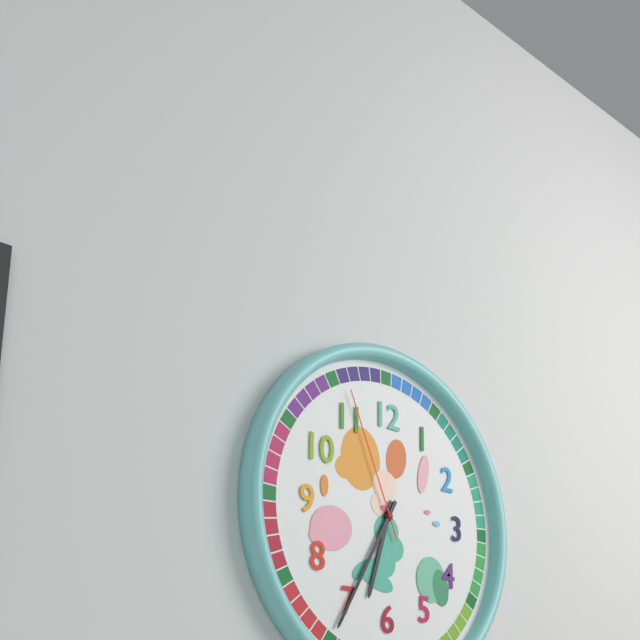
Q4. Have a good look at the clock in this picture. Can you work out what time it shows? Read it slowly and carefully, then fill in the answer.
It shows 6:35:56
